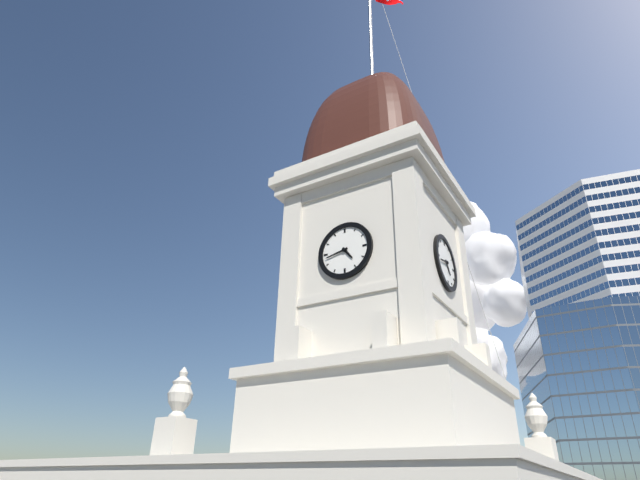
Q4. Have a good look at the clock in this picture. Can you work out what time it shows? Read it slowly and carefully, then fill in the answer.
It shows 4:43
